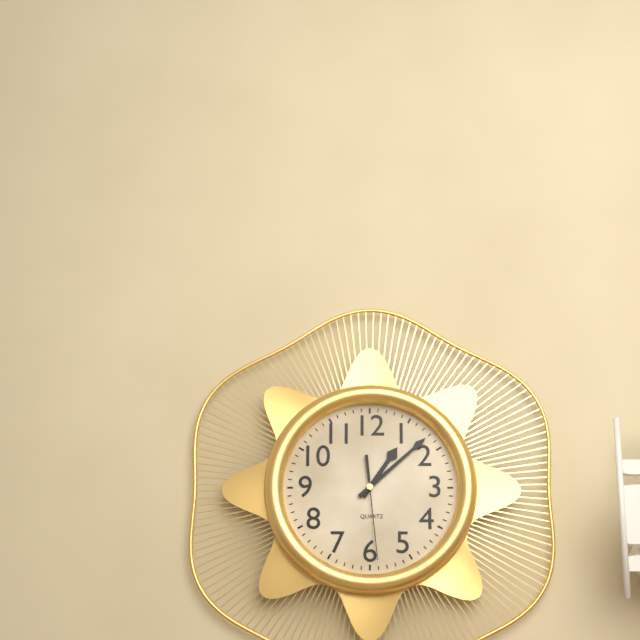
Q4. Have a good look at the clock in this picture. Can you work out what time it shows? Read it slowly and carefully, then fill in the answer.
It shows 1:08:29
